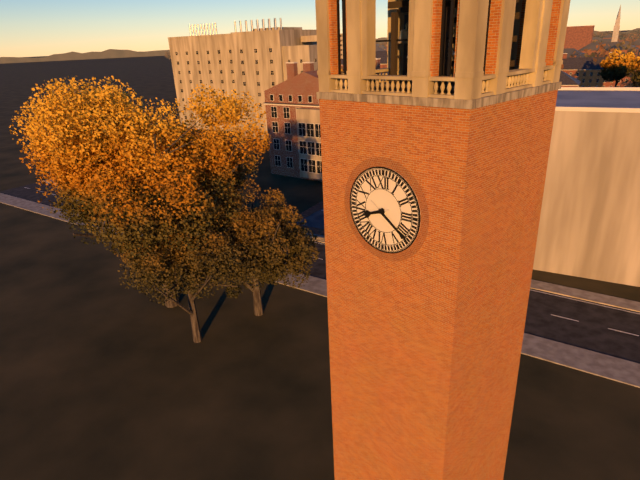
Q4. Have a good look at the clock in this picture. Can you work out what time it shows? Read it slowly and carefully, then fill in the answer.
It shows 8:21
